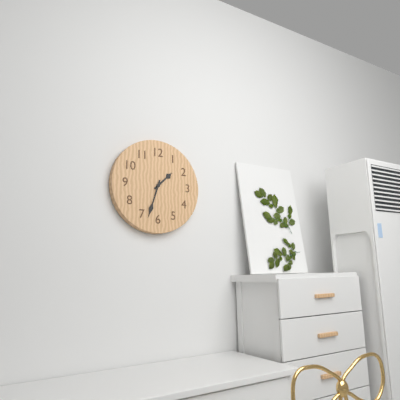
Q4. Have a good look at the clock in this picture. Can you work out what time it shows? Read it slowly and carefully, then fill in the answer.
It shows 1:33
